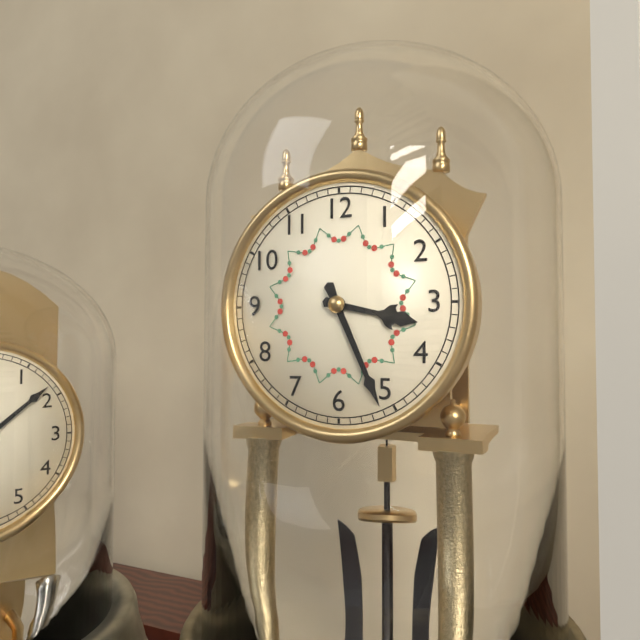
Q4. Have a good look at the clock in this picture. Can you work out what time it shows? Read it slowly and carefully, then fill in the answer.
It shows 3:26
